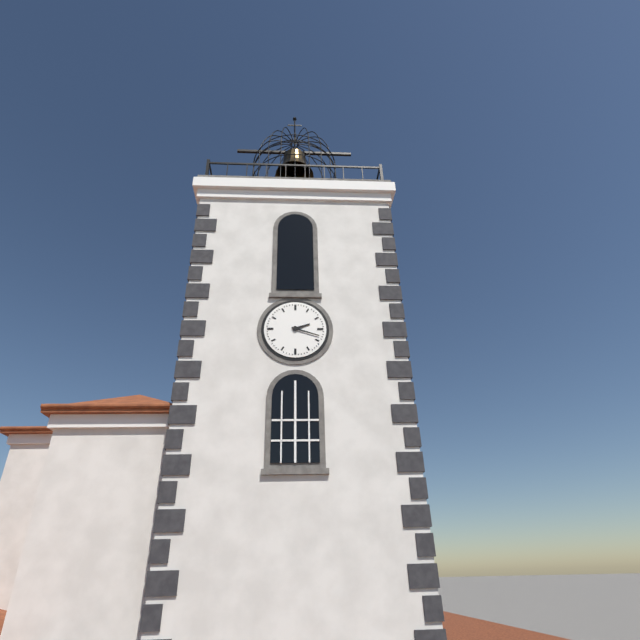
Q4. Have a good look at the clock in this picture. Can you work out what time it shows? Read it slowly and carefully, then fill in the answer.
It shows 2:18
